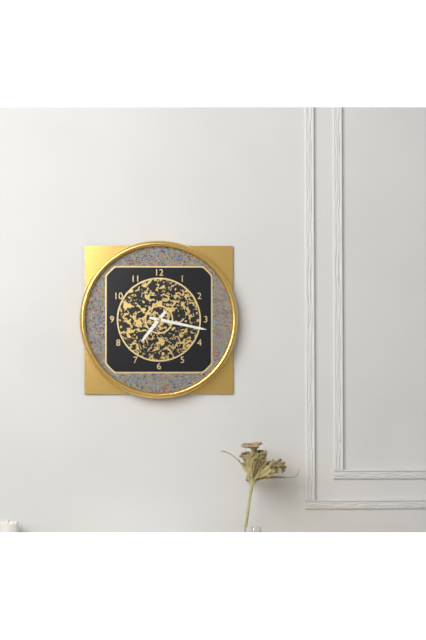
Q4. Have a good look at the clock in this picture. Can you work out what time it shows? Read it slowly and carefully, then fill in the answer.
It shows 7:17
